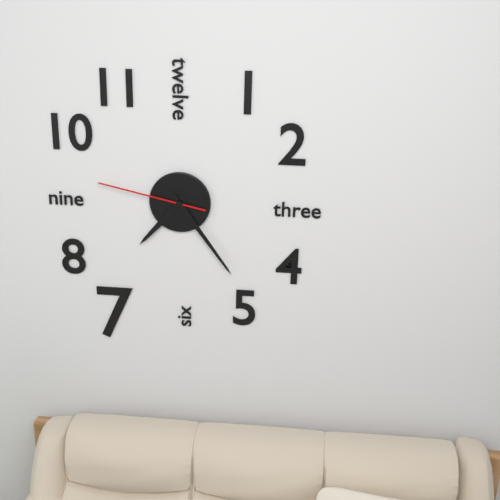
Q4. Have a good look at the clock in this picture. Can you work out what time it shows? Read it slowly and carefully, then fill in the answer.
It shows 7:24:47
